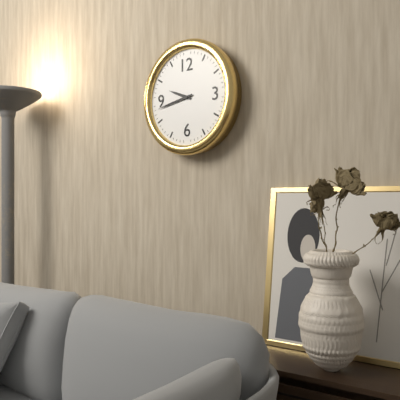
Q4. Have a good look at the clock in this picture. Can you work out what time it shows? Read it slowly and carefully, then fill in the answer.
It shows 9:43
